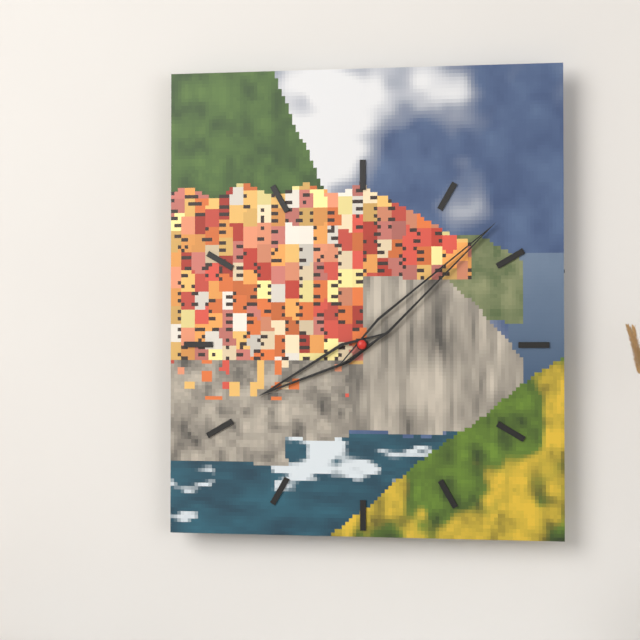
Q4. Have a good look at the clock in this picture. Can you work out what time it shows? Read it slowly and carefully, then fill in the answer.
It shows 8:08
